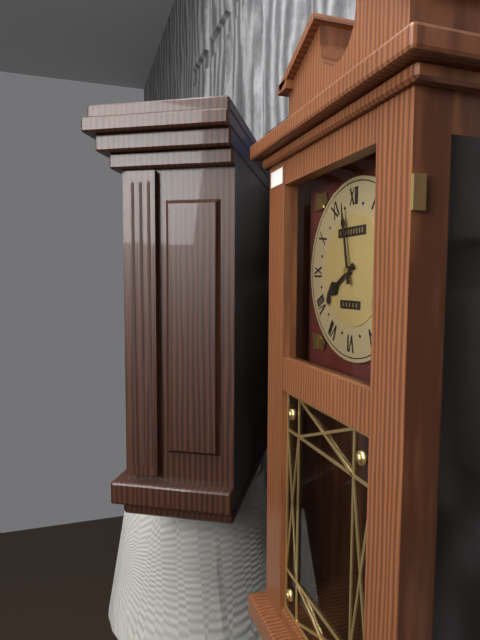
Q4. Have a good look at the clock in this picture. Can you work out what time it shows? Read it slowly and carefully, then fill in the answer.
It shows 7:58
